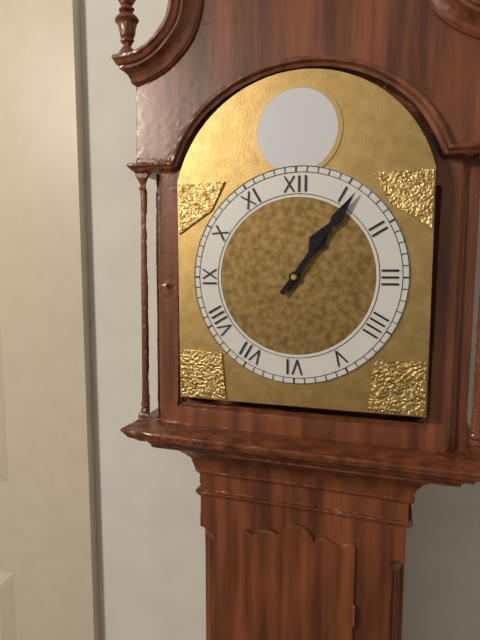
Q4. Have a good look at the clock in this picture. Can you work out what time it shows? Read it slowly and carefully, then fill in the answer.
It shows 1:06
